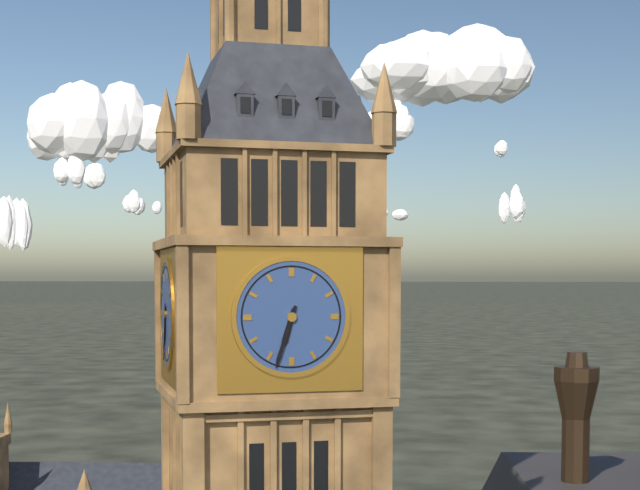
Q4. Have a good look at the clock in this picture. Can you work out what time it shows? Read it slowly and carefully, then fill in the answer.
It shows 6:33
